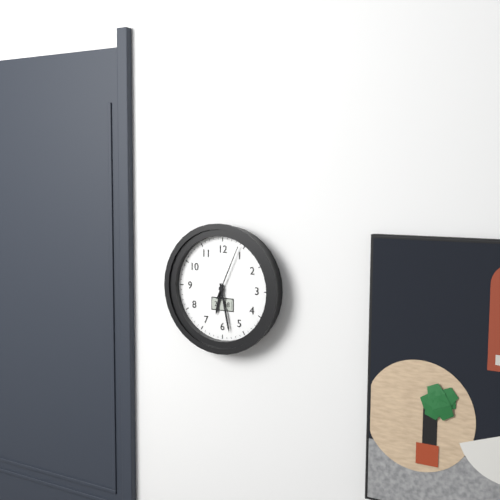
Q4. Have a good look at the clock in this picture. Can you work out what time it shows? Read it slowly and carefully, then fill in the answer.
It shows 6:28:04
